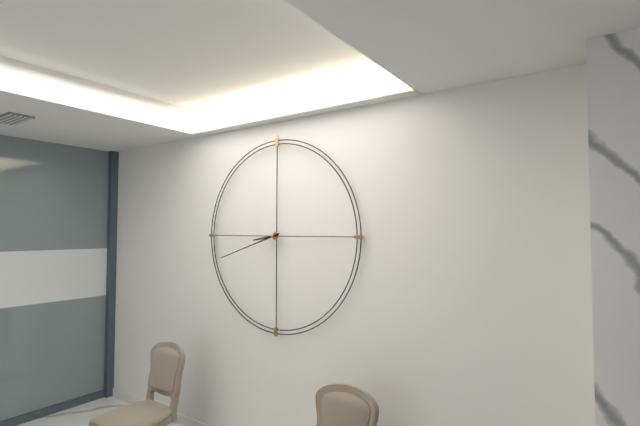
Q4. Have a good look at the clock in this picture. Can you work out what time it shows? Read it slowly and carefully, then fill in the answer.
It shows 8:42
